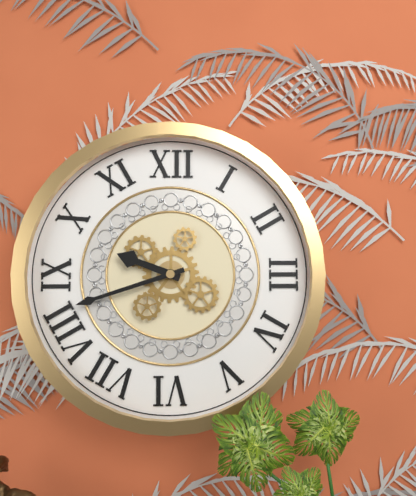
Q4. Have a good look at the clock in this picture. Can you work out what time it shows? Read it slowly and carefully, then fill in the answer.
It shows 9:42
